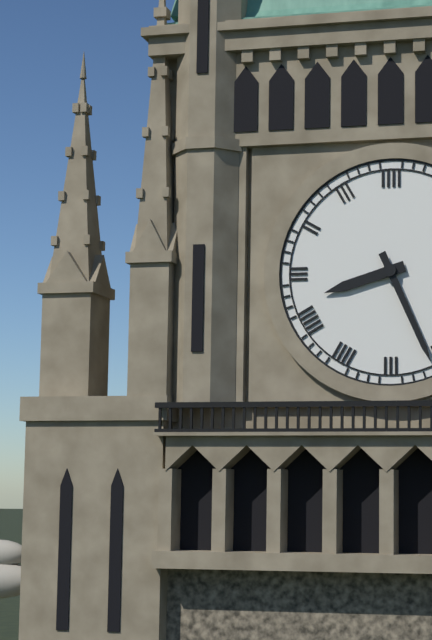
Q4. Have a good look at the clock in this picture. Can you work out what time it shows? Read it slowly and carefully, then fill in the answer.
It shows 8:26
